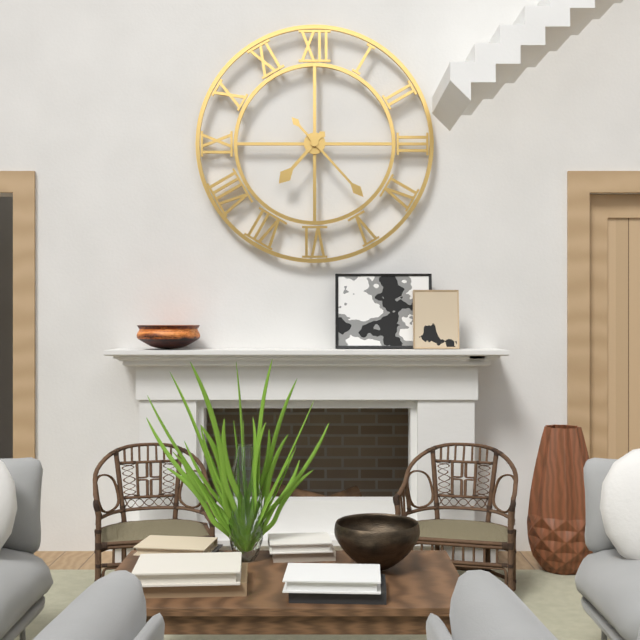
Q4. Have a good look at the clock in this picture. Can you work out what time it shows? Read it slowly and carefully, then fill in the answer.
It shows 7:23
